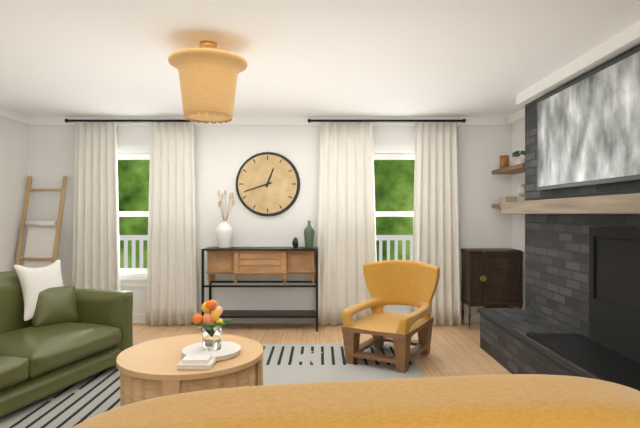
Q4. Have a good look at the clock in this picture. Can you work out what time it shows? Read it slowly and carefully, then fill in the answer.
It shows 12:42
